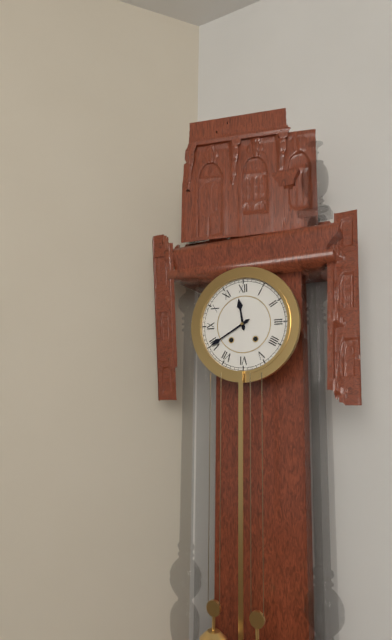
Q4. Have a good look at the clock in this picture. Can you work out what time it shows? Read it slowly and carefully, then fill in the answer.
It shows 11:40
